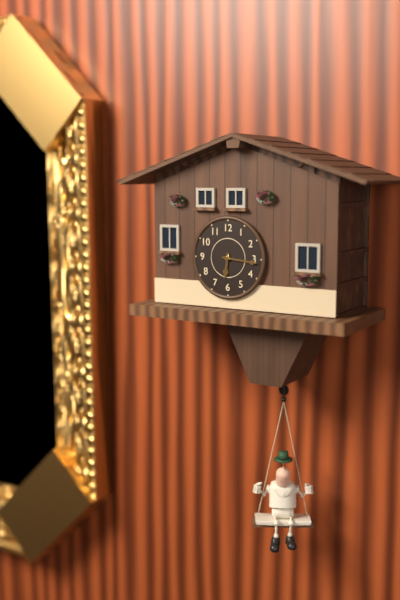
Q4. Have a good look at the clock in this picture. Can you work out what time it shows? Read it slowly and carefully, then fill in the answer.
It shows 6:16
